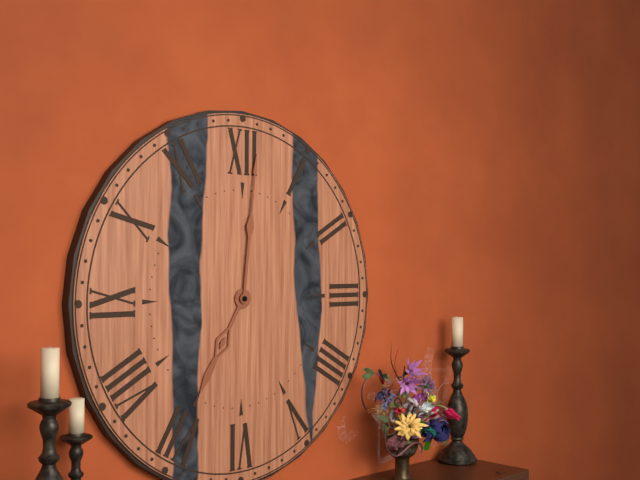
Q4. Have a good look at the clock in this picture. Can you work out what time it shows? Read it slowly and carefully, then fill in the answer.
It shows 7:01
